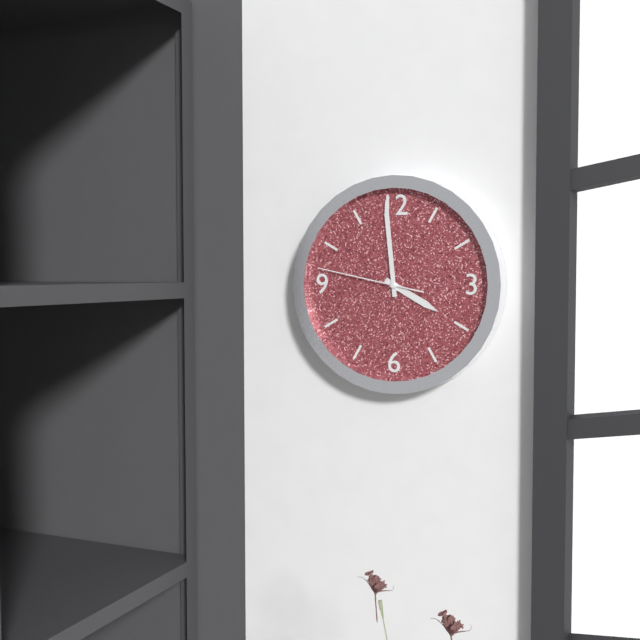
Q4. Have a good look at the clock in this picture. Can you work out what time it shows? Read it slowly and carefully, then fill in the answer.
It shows 3:59:47
